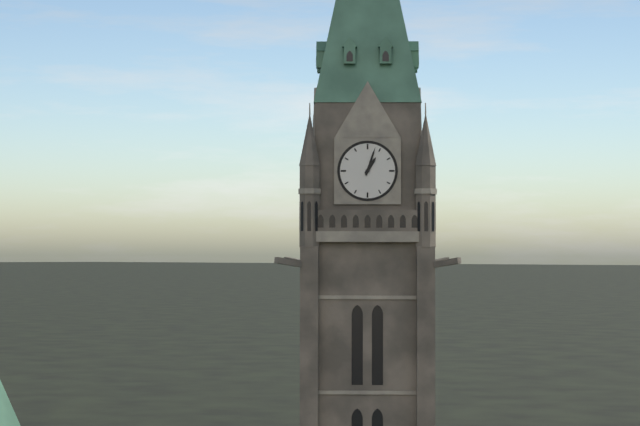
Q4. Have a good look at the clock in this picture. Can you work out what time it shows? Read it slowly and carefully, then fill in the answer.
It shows 1:03
